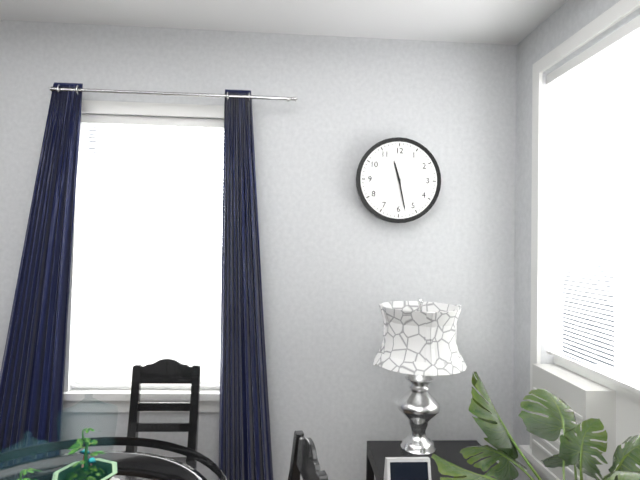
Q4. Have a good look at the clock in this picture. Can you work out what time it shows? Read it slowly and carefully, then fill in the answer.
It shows 11:28
